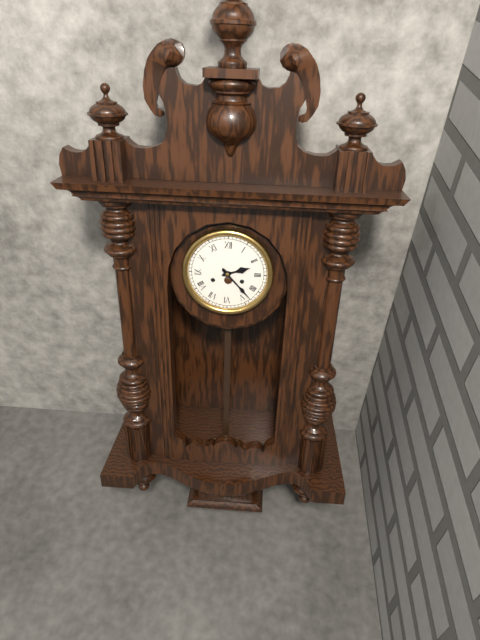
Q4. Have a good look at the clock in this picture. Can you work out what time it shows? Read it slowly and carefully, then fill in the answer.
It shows 2:23
